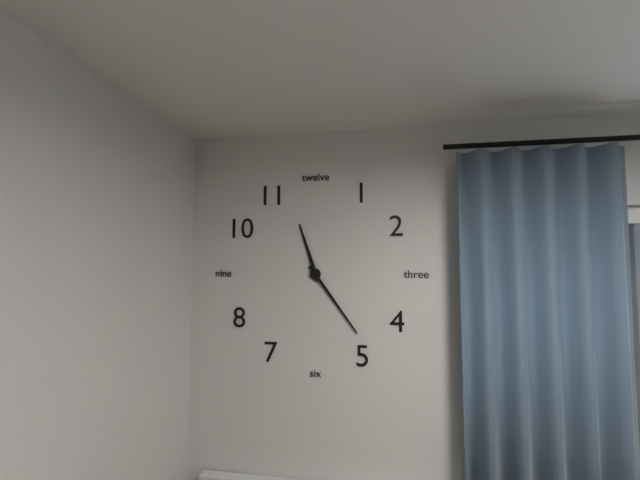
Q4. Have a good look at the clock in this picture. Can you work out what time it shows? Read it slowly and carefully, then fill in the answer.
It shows 11:24
